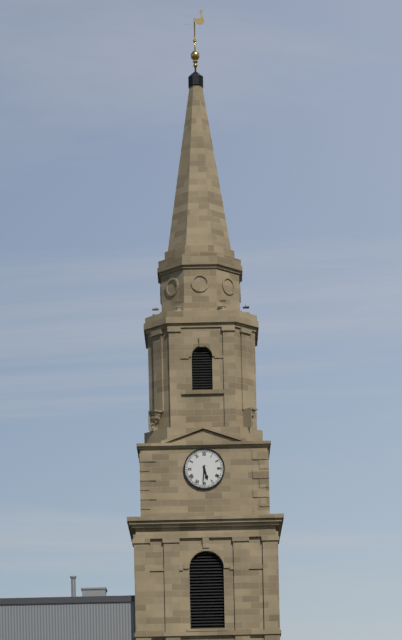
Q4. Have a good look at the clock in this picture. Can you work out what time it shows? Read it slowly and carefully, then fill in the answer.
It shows 5:31
